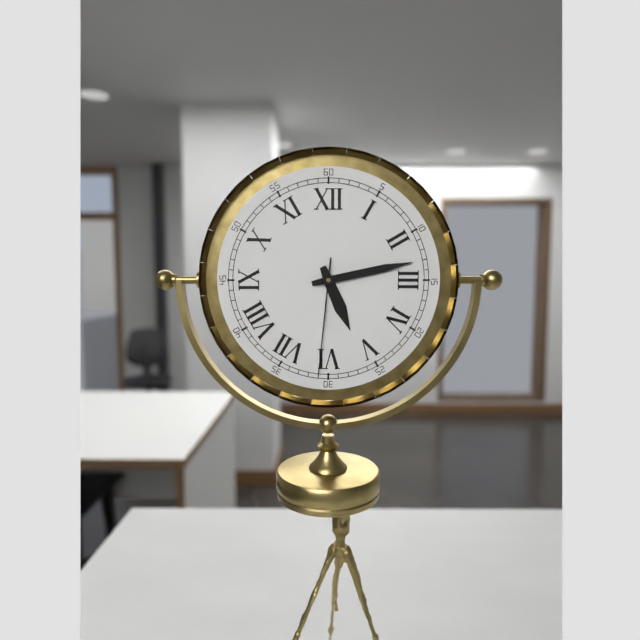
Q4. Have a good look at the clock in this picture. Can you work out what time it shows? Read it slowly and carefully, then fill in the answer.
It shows 5:13:31
